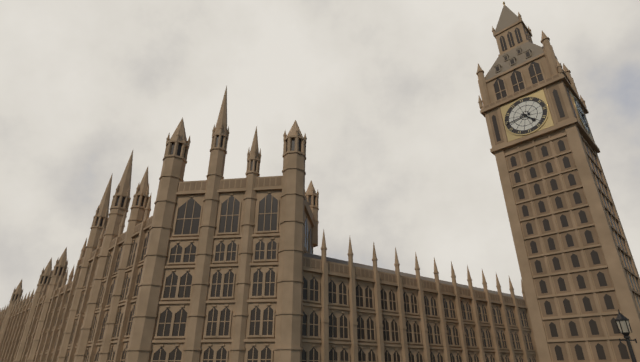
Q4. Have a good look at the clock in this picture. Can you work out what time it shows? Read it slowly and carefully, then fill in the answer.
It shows 4:44
